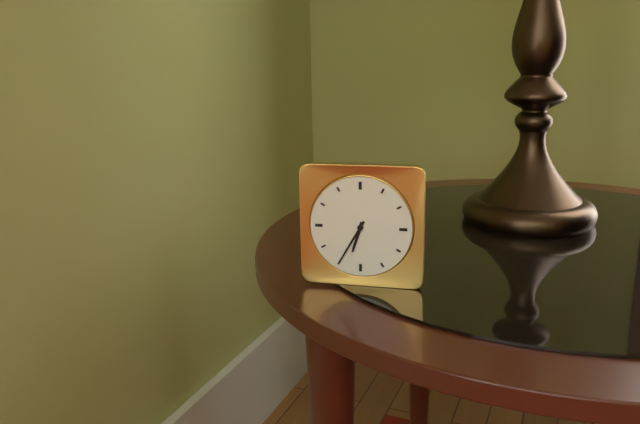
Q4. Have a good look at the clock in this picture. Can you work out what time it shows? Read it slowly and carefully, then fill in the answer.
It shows 6:35
